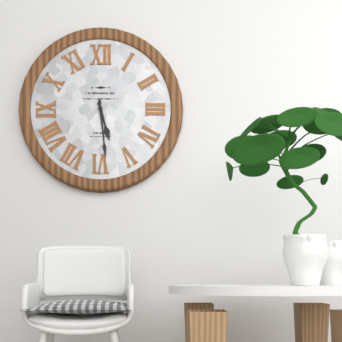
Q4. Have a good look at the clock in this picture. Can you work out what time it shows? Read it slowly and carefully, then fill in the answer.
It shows 5:29
